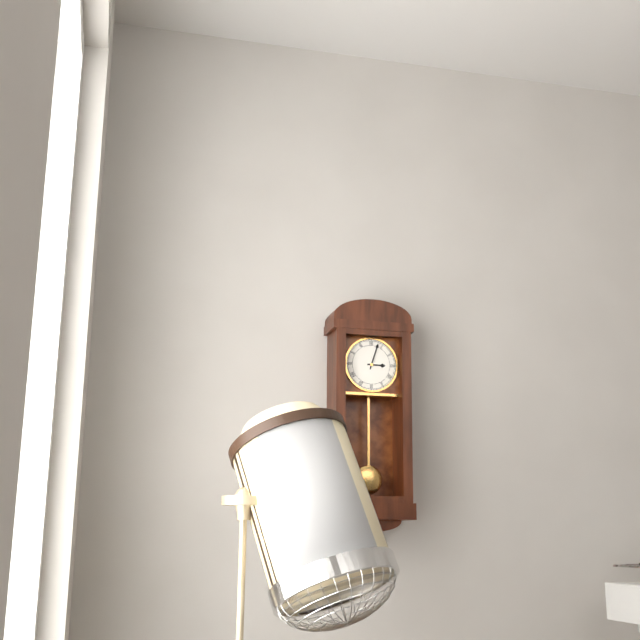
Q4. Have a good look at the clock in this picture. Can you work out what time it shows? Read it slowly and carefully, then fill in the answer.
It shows 3:03
